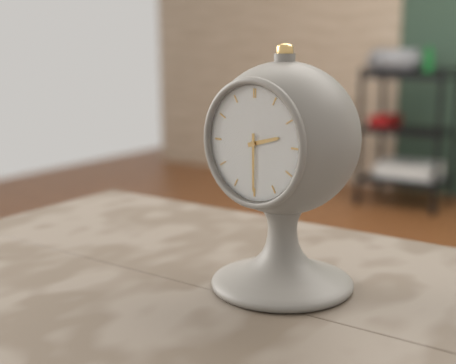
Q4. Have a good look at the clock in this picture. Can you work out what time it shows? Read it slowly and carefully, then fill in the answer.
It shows 2:30
